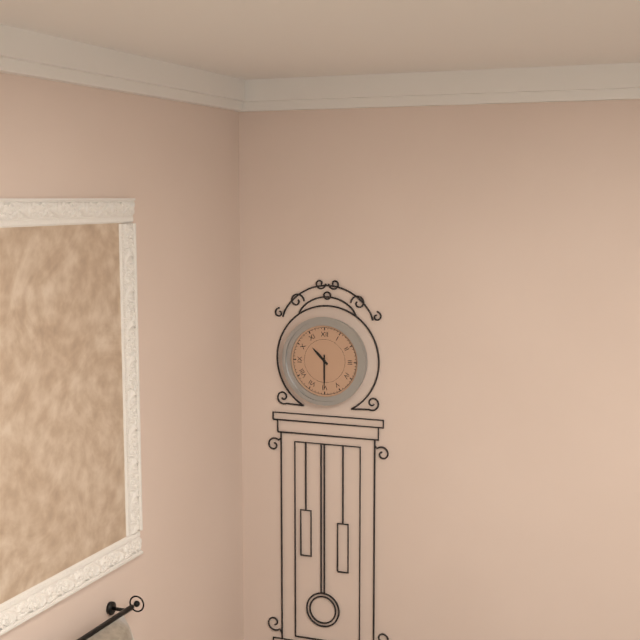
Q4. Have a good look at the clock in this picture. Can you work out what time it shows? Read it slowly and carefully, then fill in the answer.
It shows 10:30
